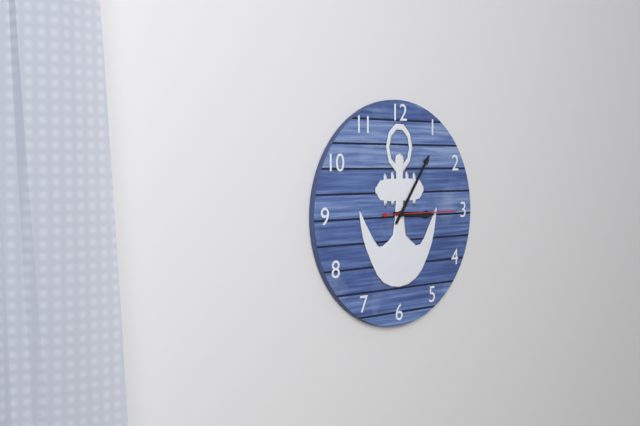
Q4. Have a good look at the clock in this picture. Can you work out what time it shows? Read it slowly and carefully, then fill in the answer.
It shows 3:06:15
